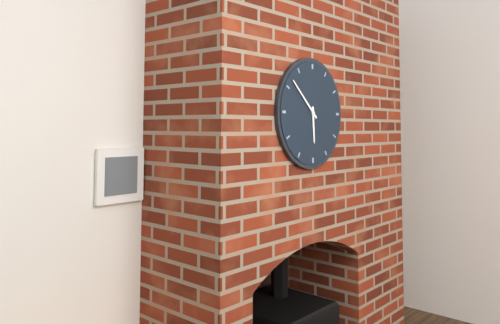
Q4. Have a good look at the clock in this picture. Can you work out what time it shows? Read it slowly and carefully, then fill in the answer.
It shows 5:52
